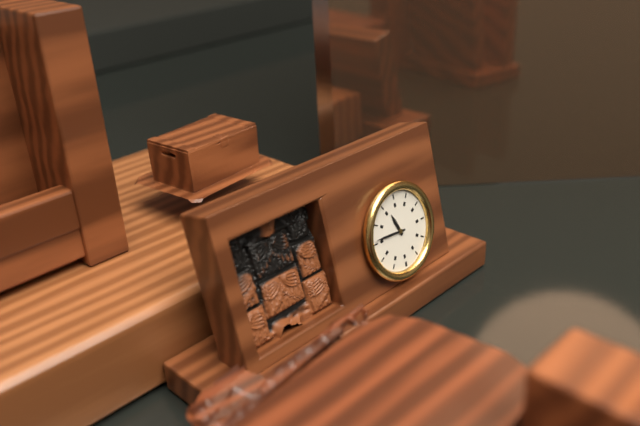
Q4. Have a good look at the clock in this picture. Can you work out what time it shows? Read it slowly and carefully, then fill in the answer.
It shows 5:16
